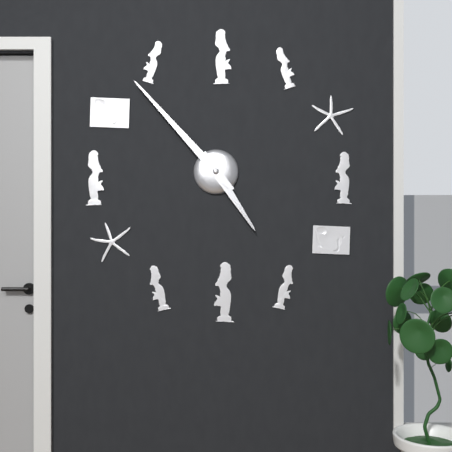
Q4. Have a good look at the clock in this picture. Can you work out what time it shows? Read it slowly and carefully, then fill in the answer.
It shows 4:53
